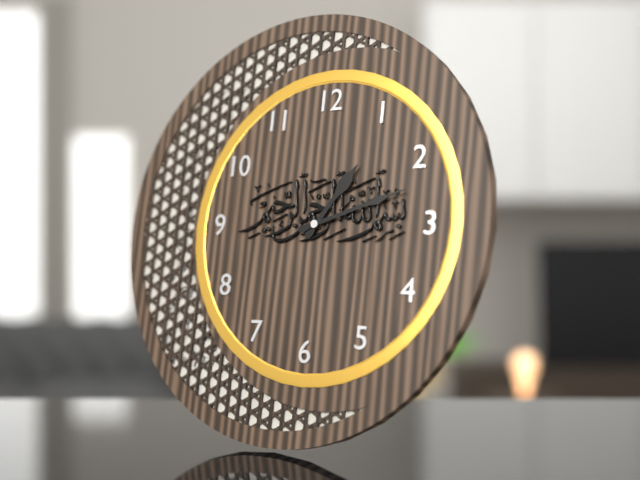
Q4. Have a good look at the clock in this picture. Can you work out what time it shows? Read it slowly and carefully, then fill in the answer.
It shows 1:12
